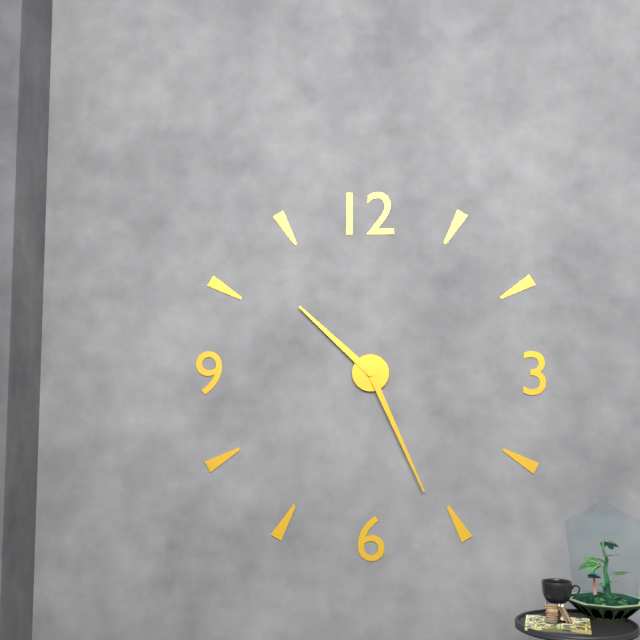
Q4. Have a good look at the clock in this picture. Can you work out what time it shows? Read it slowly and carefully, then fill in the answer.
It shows 10:26
